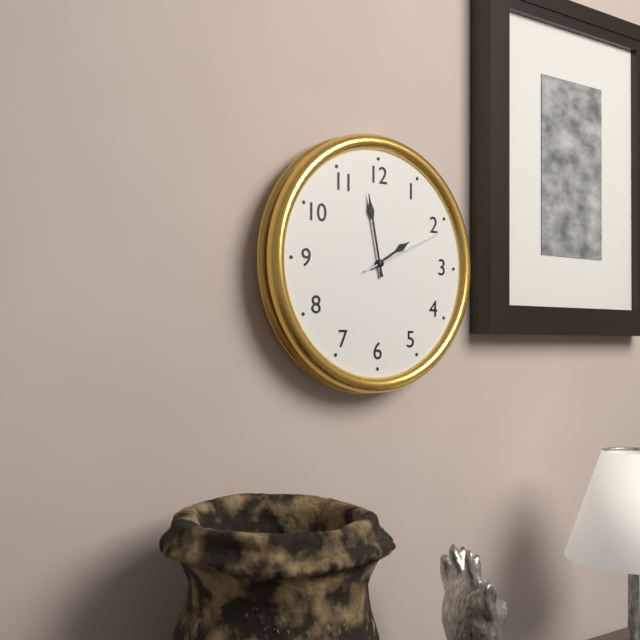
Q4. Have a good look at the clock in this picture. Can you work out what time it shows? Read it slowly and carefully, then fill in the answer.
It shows 1:58:11
